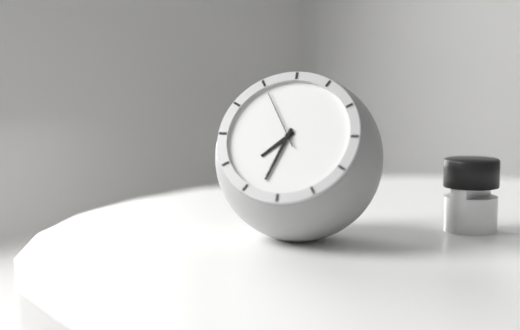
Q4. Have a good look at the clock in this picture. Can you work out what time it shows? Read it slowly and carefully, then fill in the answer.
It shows 7:33:55
